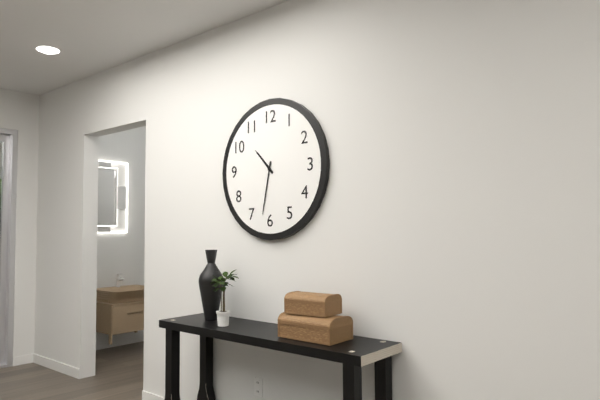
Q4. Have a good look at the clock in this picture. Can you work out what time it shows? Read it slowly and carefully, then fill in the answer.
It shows 10:32
